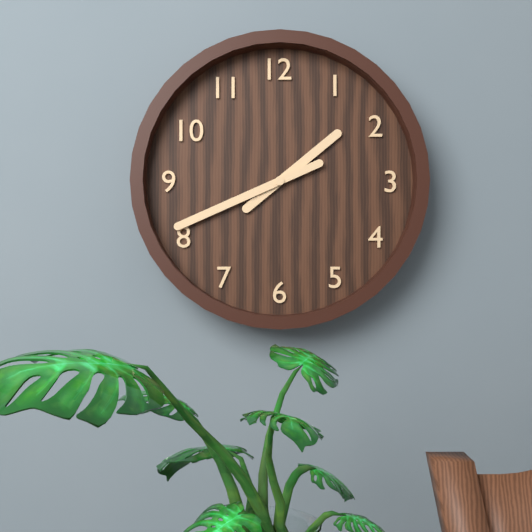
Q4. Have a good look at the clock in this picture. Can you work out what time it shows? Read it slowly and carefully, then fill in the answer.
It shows 1:41
